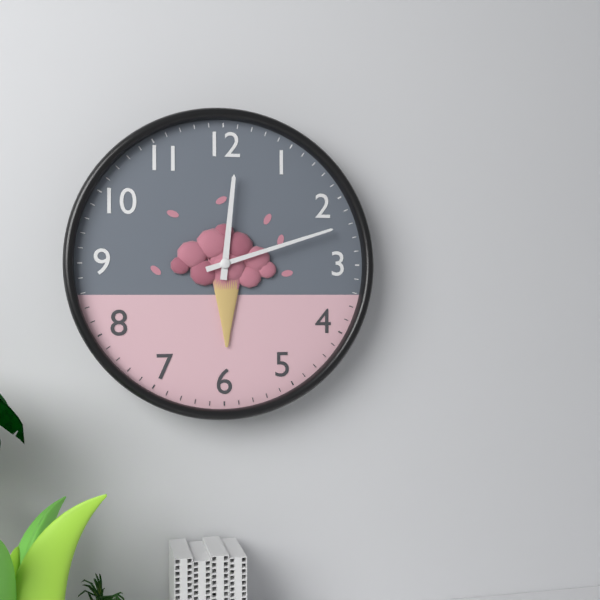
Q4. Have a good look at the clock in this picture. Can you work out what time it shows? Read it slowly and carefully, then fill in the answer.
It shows 12:12
